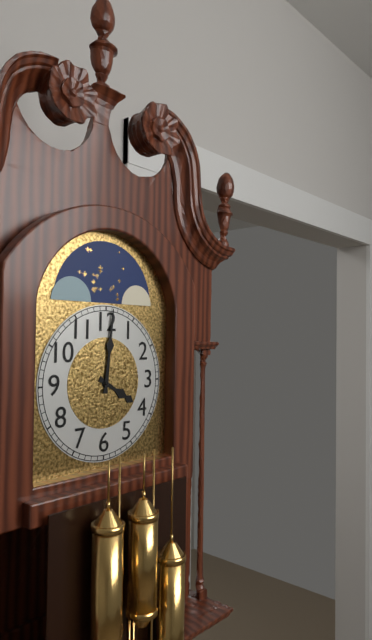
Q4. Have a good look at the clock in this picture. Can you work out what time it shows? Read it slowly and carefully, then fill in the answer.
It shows 4:01
